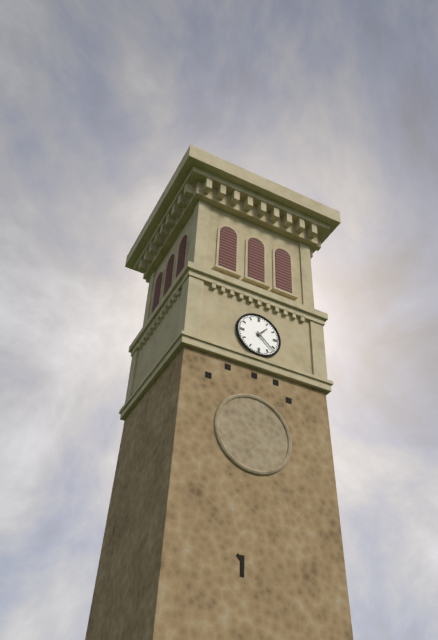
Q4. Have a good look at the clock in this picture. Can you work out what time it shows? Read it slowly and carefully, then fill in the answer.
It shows 1:22
